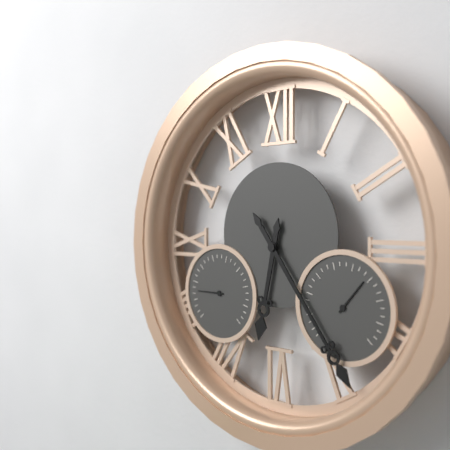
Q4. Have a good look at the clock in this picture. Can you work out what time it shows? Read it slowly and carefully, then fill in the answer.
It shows 6:24
